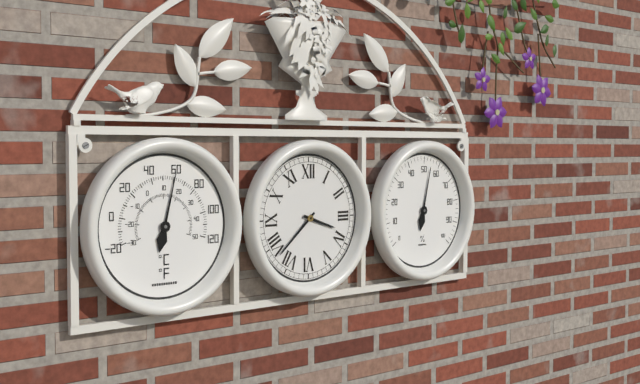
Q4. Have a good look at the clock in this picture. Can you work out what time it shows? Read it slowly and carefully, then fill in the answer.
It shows 3:38
